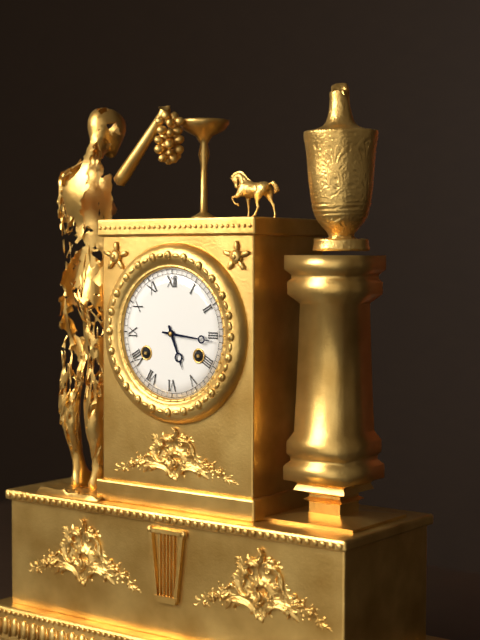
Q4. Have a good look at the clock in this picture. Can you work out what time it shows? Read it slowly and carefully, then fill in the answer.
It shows 5:16
